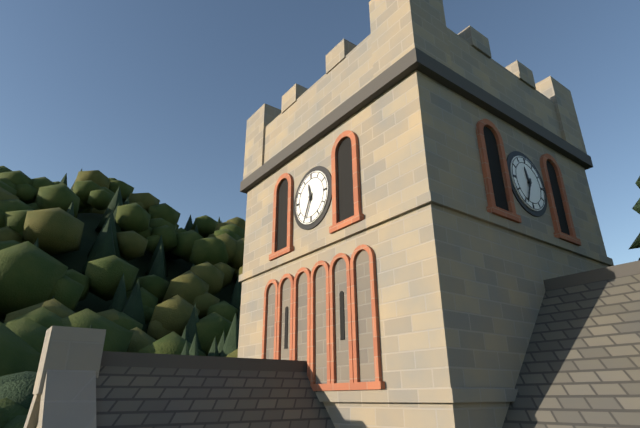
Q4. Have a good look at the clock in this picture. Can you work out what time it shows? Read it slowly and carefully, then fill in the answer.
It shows 11:34
